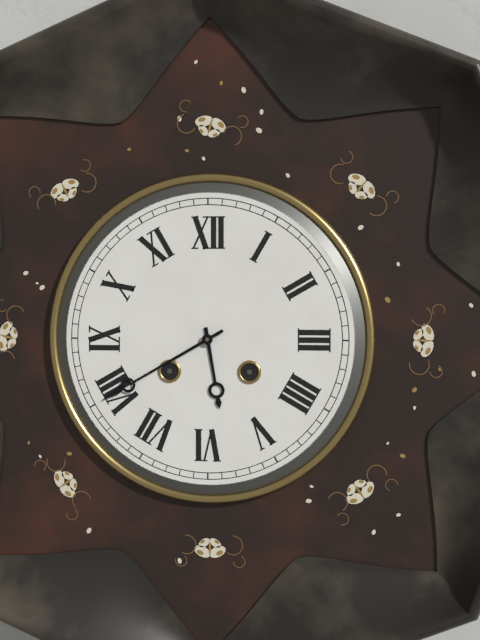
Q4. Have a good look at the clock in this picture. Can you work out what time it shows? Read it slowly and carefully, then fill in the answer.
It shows 5:40
